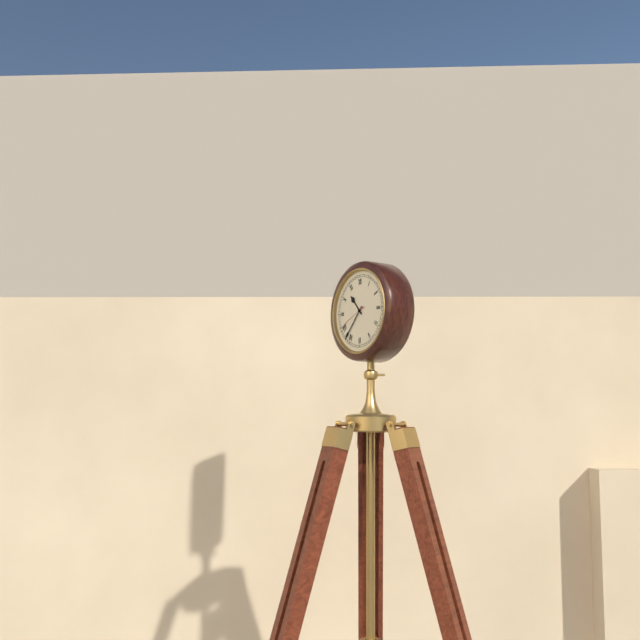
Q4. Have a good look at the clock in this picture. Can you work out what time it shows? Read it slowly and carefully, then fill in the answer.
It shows 10:37
